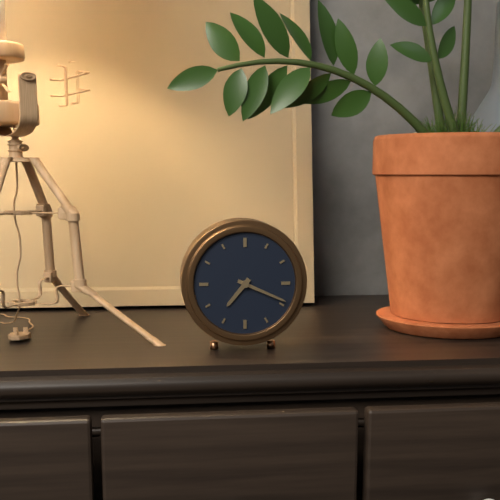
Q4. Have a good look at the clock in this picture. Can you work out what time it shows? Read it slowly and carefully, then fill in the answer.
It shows 7:19
